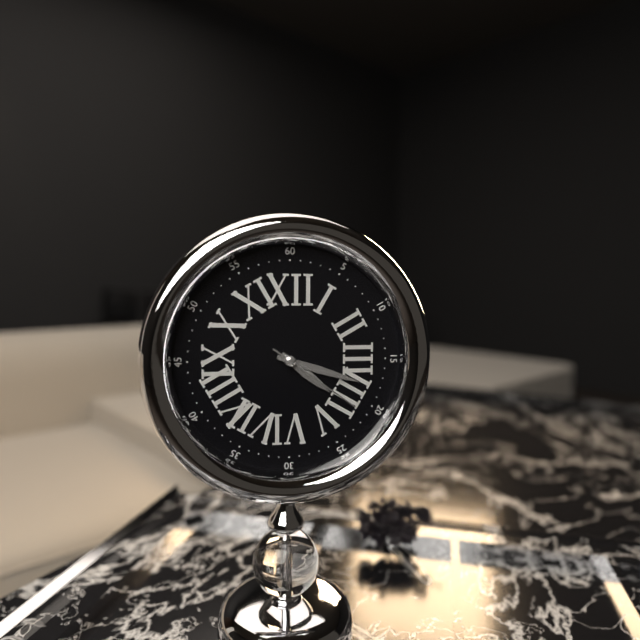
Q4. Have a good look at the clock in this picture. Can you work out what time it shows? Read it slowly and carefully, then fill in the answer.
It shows 4:18:21
